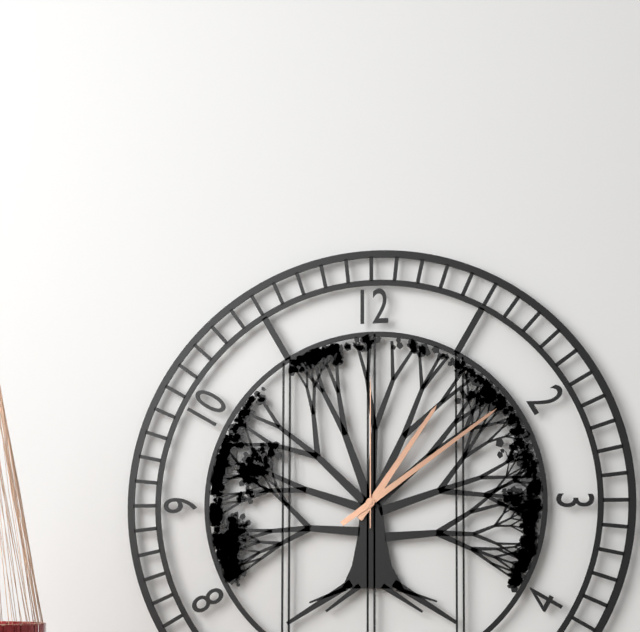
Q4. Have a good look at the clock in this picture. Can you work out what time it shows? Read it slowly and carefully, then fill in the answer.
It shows 1:09:00
